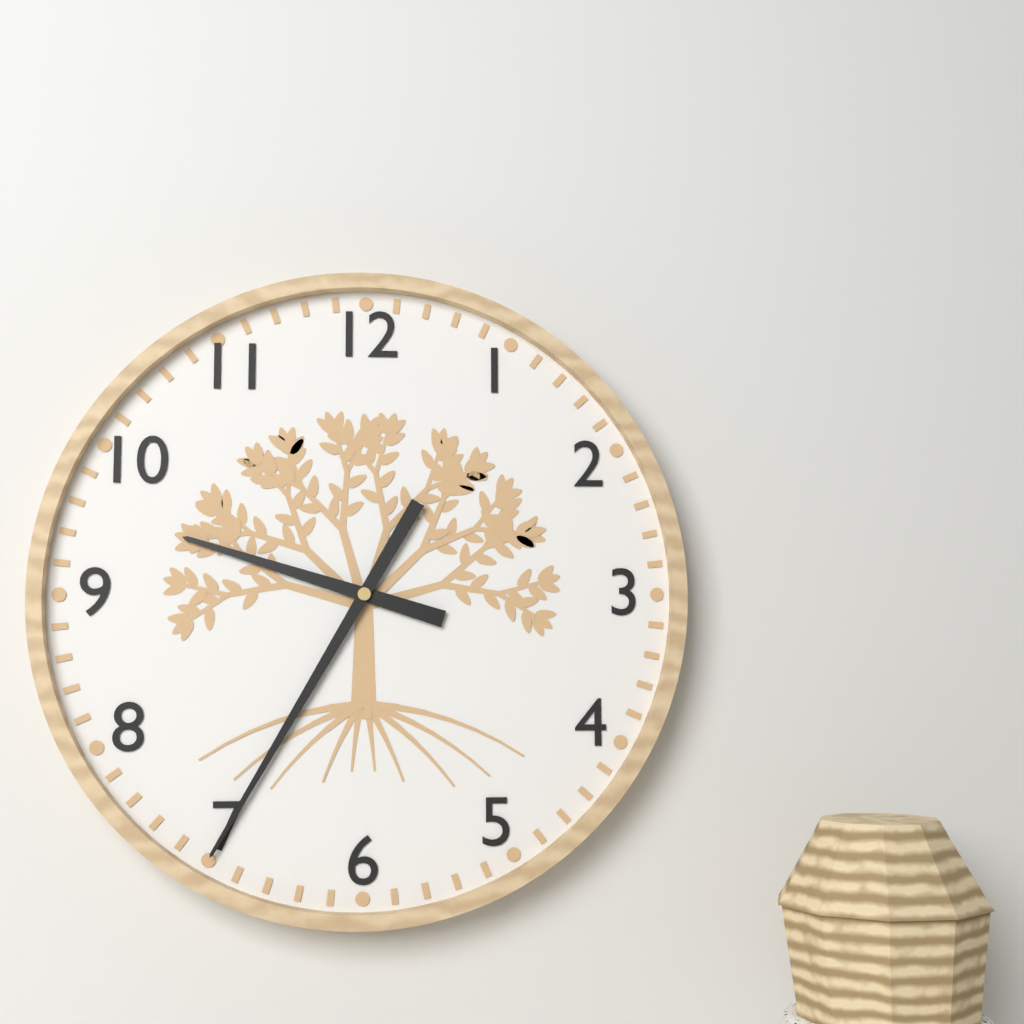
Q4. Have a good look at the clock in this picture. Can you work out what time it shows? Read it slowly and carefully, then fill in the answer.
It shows 9:35
